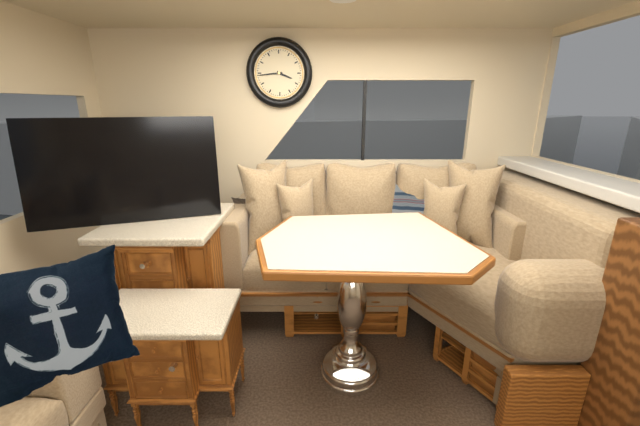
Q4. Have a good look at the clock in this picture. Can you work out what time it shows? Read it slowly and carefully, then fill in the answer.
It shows 3:44
